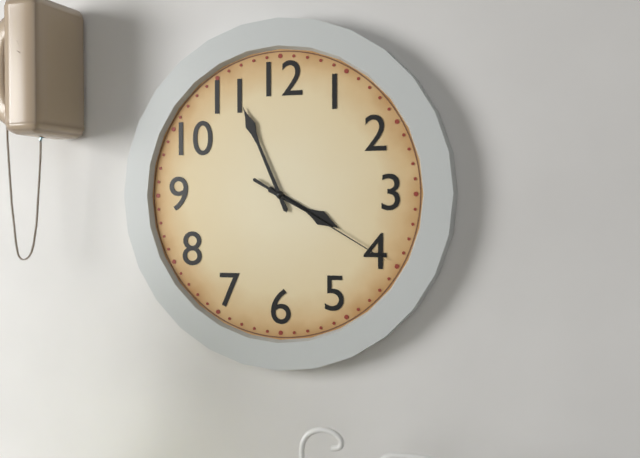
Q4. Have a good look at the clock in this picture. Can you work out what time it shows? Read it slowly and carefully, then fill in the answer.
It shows 3:56:20
